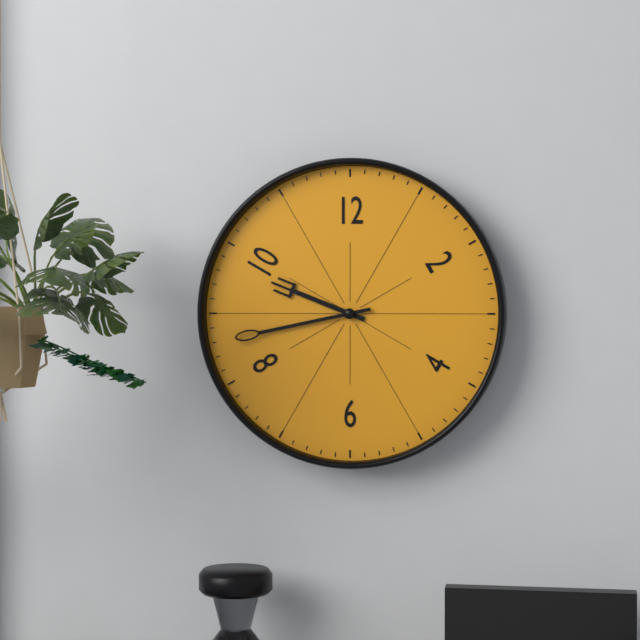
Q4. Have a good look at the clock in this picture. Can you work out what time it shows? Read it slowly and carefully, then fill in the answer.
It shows 9:43
